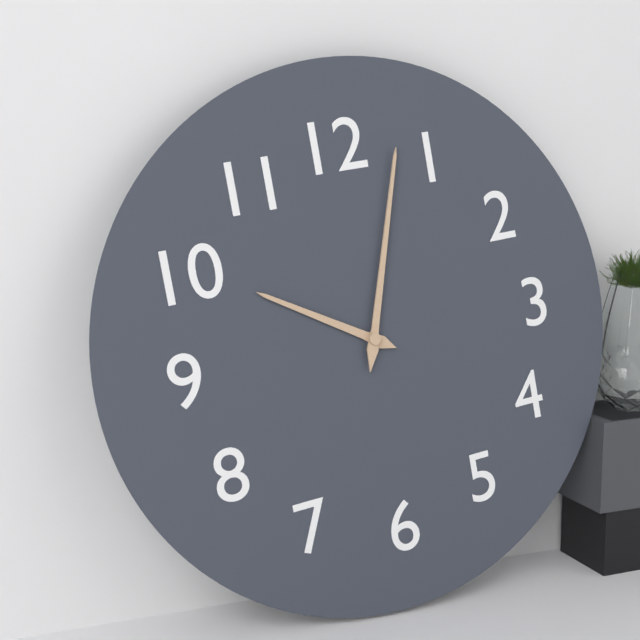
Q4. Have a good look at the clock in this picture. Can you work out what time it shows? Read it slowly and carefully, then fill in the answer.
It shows 10:03
